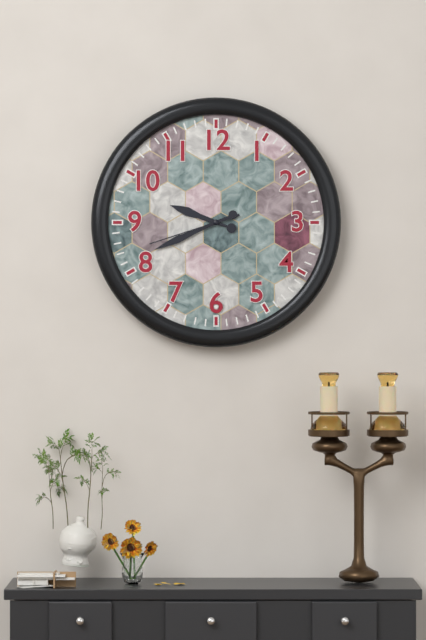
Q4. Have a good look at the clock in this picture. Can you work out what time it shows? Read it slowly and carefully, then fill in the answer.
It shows 9:41:42
